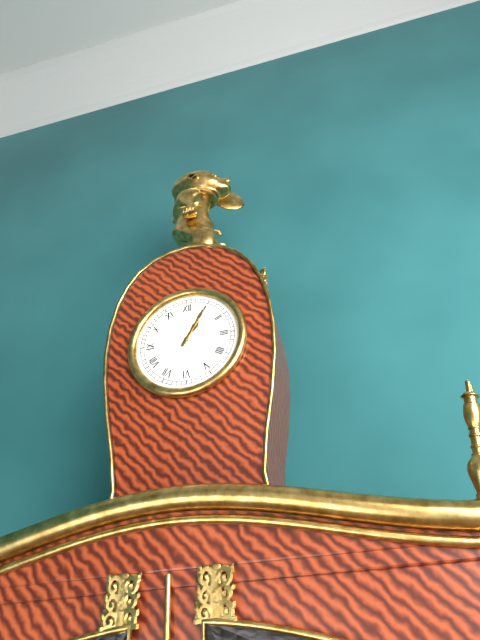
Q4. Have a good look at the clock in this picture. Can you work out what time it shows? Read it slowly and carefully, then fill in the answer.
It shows 1:05
